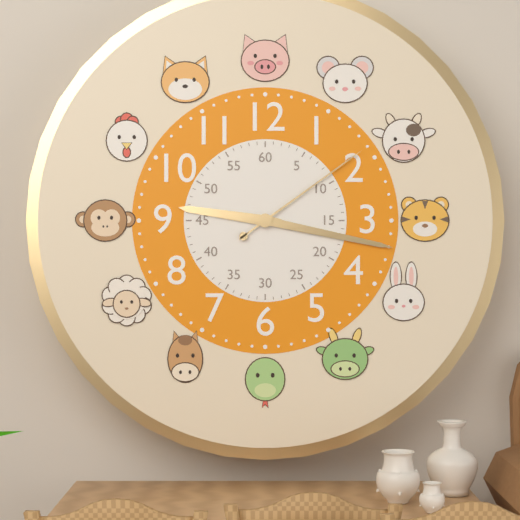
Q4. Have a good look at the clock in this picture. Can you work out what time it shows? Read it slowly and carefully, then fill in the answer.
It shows 9:17:09
